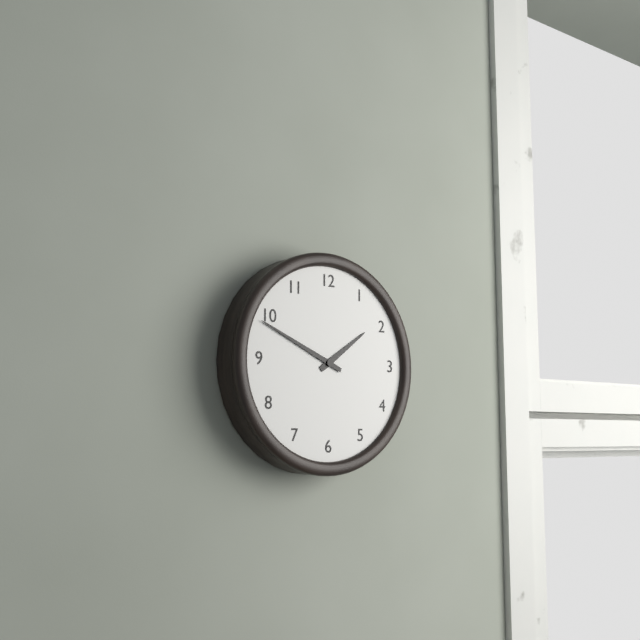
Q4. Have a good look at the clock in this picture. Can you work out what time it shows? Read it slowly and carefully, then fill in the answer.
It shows 1:49
